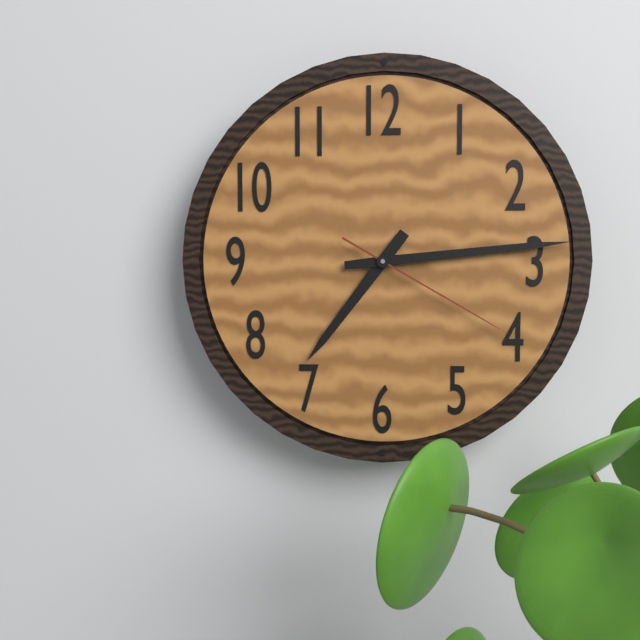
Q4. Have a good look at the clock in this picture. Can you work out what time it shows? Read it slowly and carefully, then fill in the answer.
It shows 7:14:20
